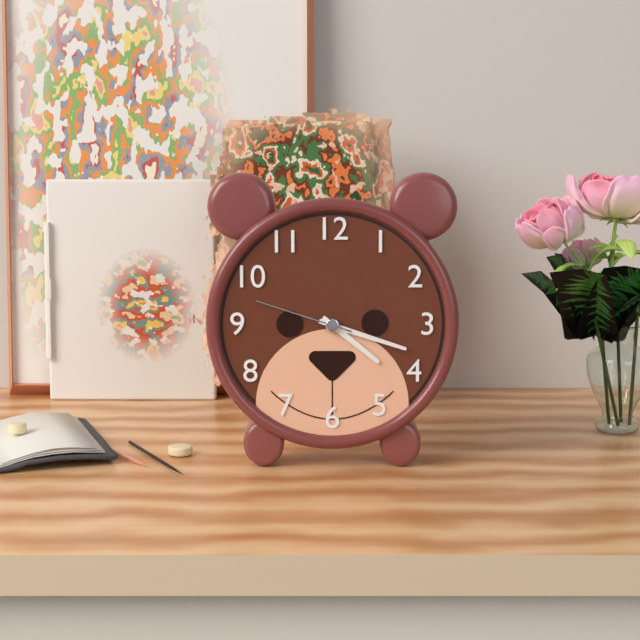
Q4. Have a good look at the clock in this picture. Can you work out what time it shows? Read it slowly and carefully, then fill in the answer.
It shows 4:18:48
